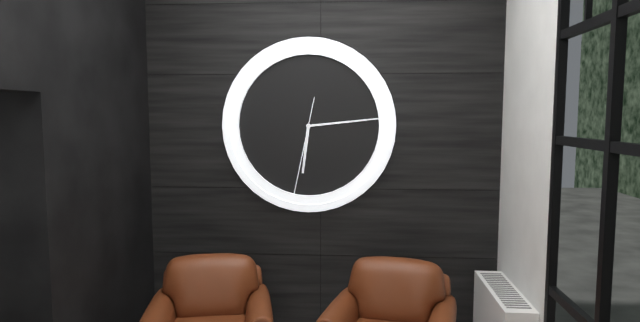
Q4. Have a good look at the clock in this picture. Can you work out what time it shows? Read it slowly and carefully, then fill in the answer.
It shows 6:14:32
